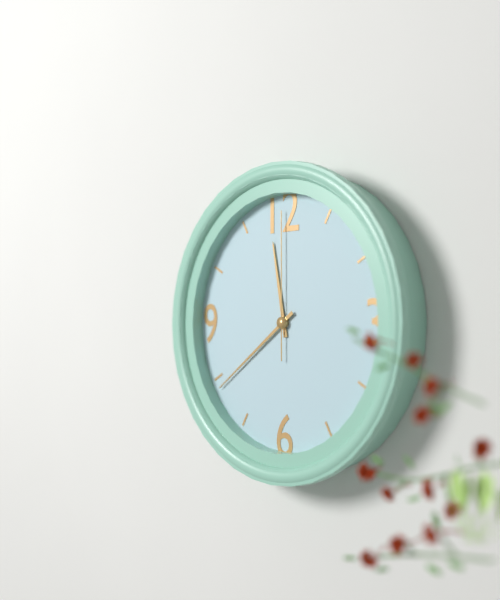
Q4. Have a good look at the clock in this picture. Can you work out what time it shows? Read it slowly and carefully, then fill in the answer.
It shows 11:39:00
